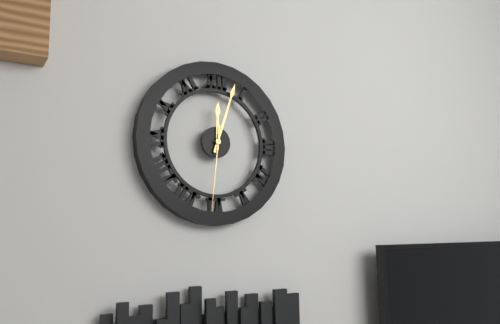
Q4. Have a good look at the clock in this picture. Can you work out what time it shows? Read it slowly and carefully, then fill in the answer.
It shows 12:03:31
